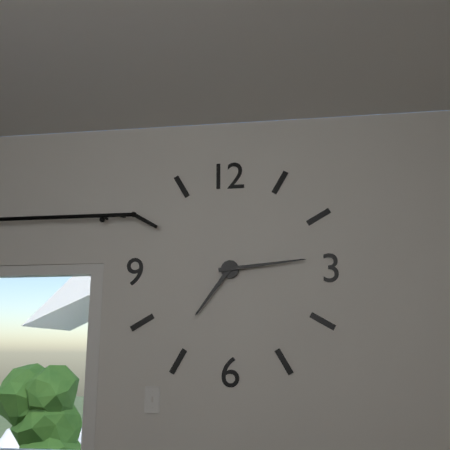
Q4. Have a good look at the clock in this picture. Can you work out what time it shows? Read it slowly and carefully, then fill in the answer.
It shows 7:14
